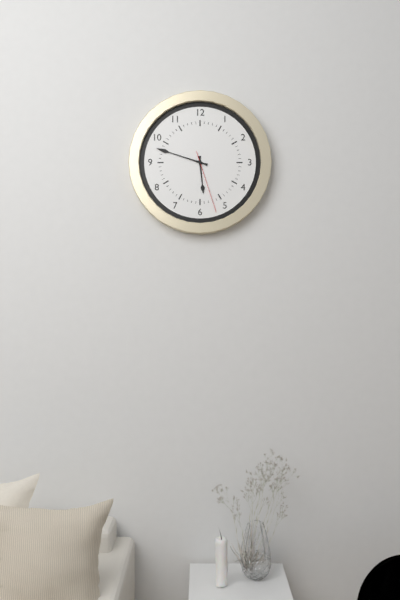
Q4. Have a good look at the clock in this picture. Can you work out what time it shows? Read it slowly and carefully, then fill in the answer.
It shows 5:48:27
